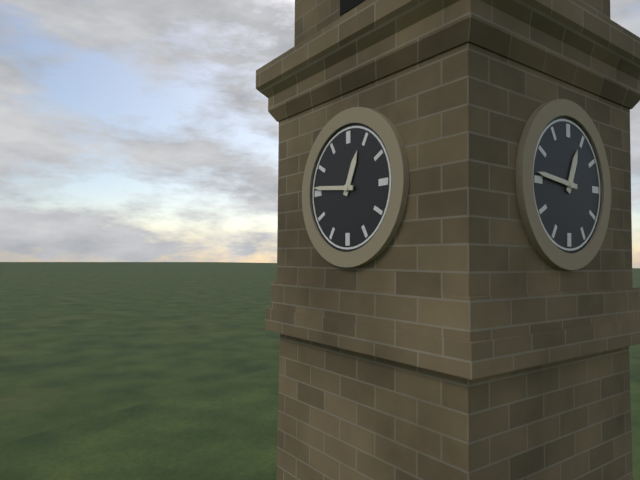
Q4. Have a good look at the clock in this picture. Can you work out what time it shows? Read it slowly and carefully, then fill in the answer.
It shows 12:46
